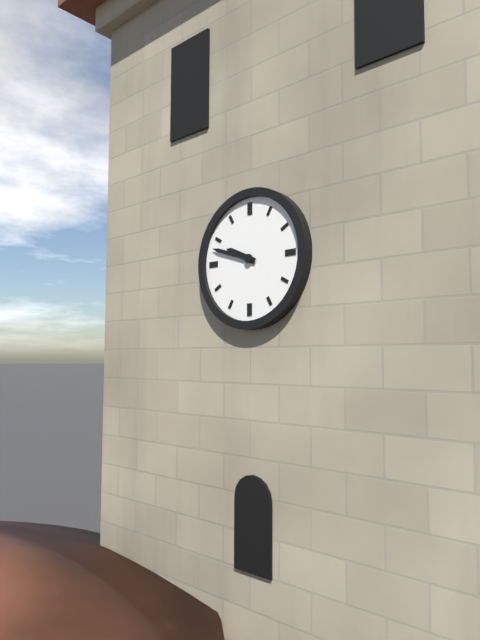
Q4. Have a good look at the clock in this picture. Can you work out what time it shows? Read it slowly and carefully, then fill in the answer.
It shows 9:48
